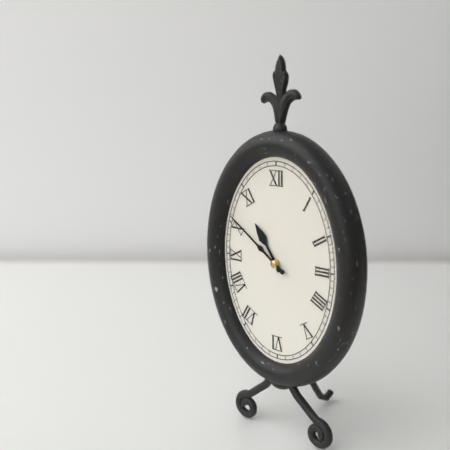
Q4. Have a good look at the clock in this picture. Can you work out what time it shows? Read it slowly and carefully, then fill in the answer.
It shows 10:51
